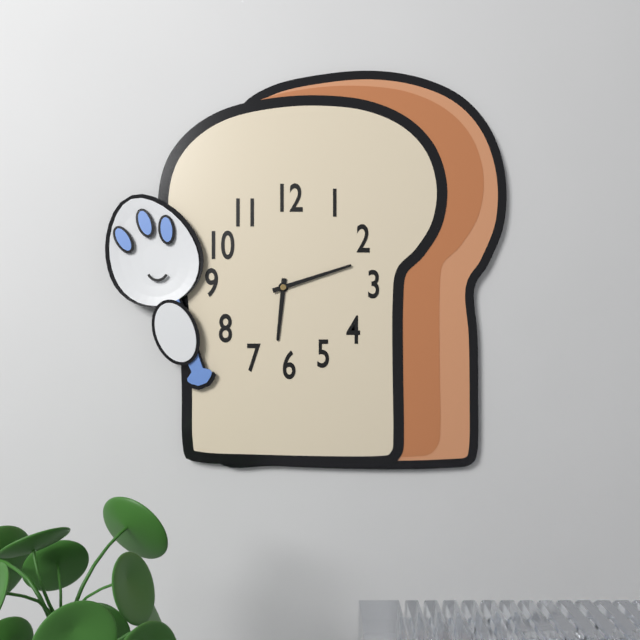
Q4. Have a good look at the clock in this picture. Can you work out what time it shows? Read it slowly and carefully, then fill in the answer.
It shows 6:12
